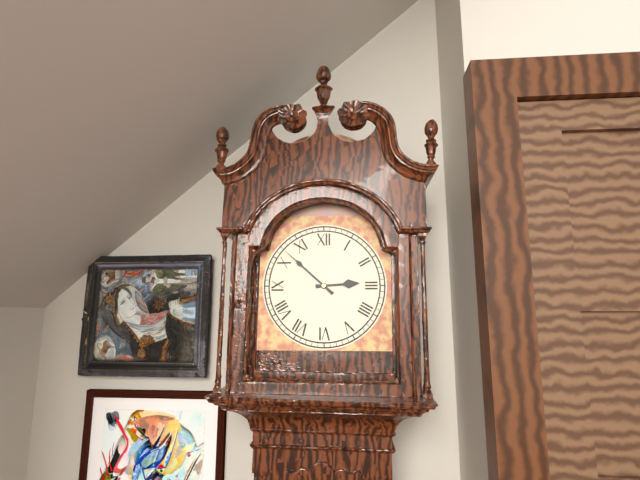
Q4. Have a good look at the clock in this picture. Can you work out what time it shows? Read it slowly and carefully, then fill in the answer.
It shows 2:52
